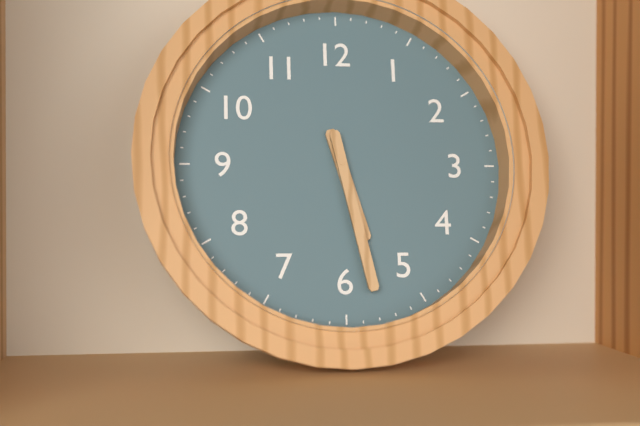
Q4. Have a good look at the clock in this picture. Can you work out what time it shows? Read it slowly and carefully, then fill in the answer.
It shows 5:28
